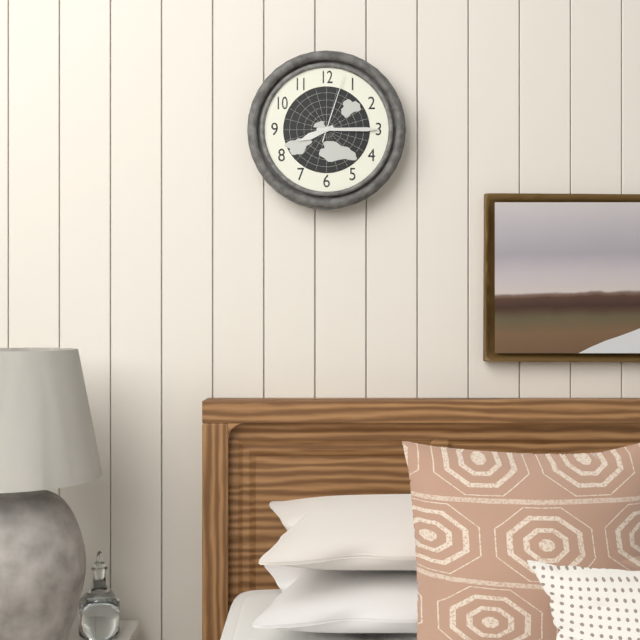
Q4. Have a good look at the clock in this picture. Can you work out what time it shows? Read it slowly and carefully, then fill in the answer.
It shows 8:15:03
